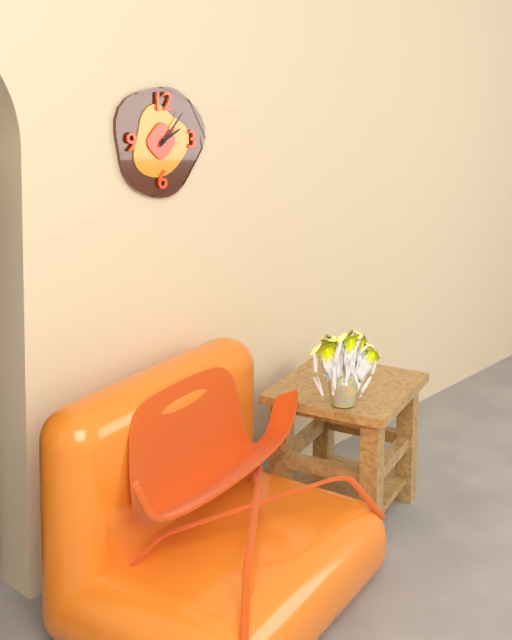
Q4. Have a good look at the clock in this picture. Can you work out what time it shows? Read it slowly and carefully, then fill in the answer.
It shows 2:07
